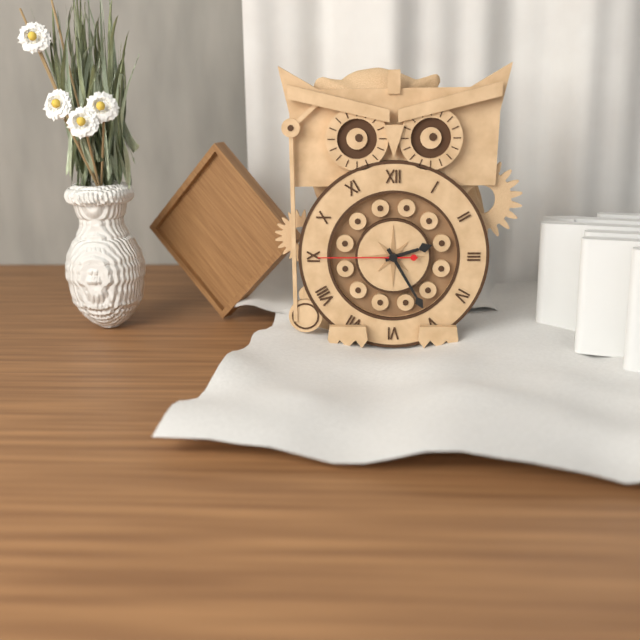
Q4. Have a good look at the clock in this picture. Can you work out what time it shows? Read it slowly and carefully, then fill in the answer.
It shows 2:25:45
